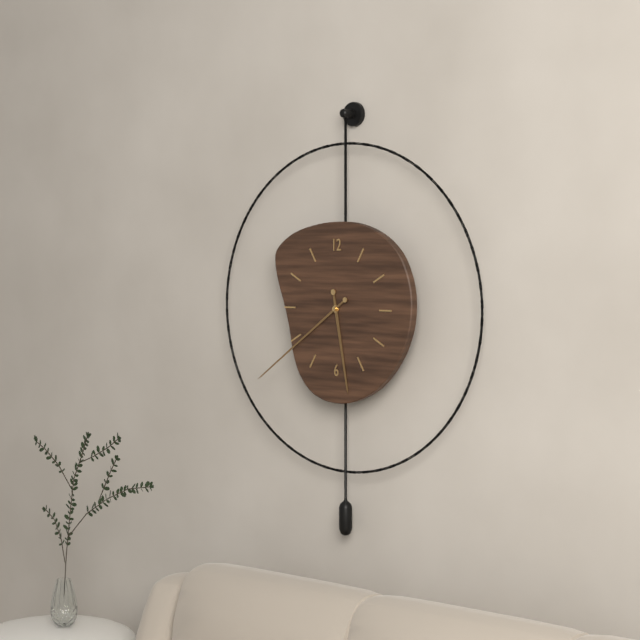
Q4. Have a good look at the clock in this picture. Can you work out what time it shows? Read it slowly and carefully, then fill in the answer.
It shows 5:39
